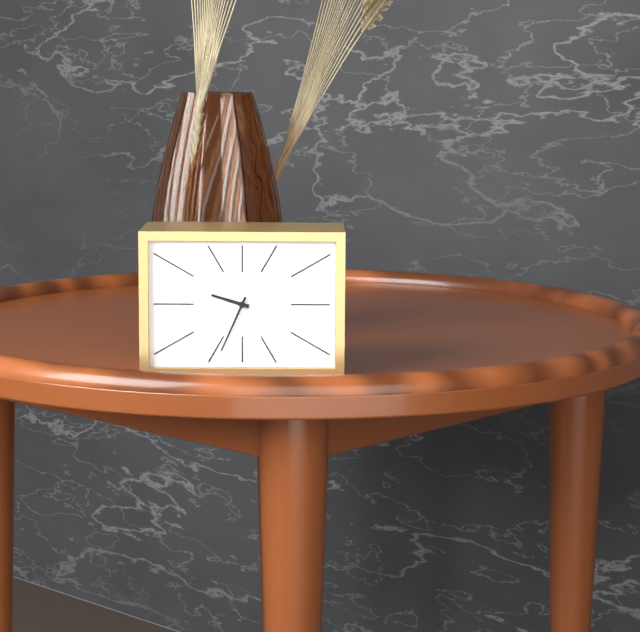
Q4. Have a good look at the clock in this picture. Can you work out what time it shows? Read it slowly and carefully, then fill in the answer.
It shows 9:34
